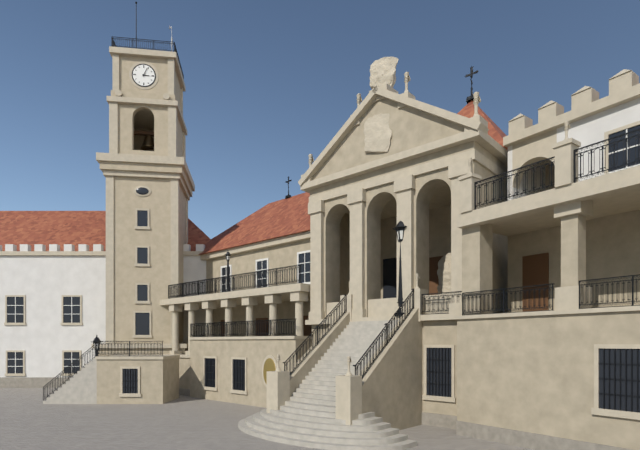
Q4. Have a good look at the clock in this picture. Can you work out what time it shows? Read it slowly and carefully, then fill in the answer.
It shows 3:04
